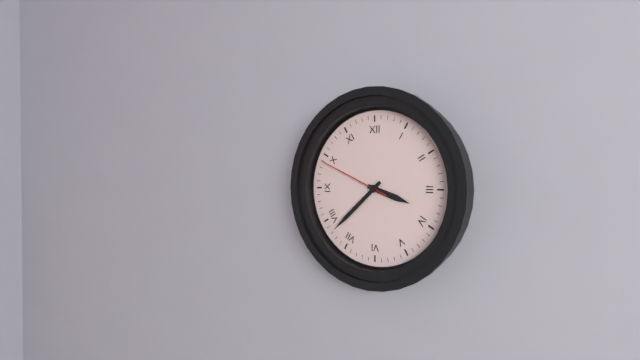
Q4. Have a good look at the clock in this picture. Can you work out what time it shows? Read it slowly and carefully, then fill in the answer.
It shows 3:38:49
